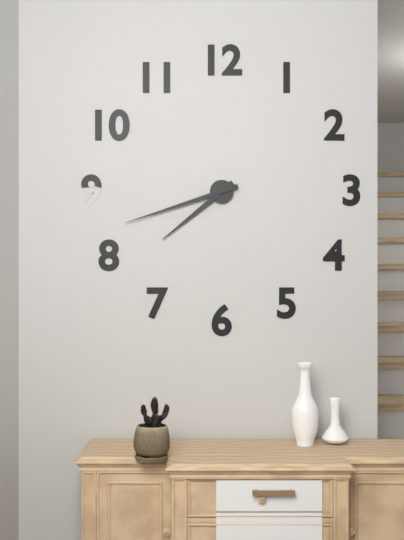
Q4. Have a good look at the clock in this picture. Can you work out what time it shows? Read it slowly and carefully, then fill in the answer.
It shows 7:42
